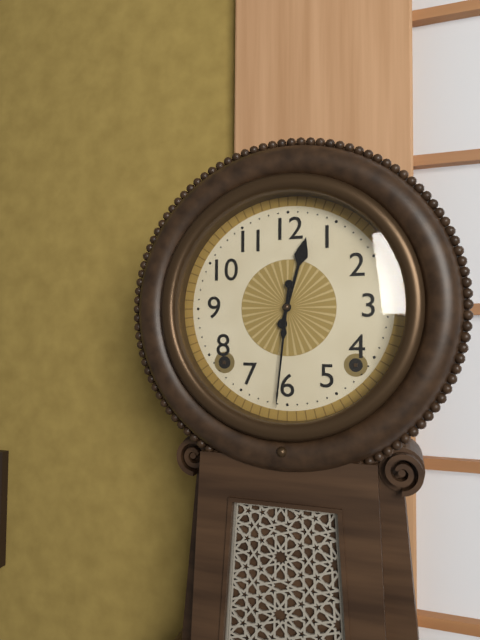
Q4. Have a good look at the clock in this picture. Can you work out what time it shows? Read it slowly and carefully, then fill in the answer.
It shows 12:31
